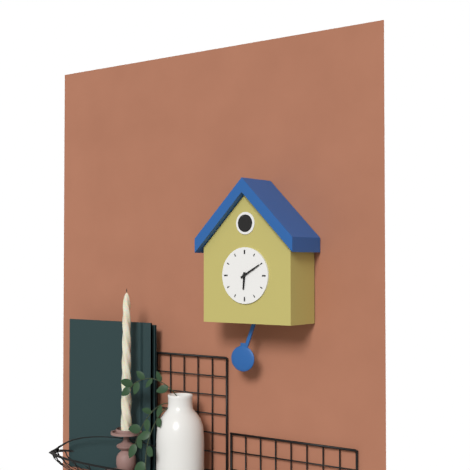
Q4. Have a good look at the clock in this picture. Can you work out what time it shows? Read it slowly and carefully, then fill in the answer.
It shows 6:10
